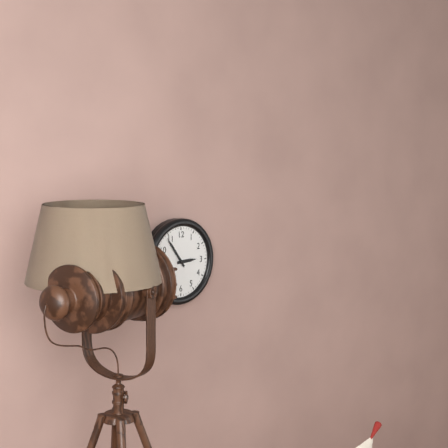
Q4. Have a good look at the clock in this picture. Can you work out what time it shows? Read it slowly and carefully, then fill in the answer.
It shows 2:54
